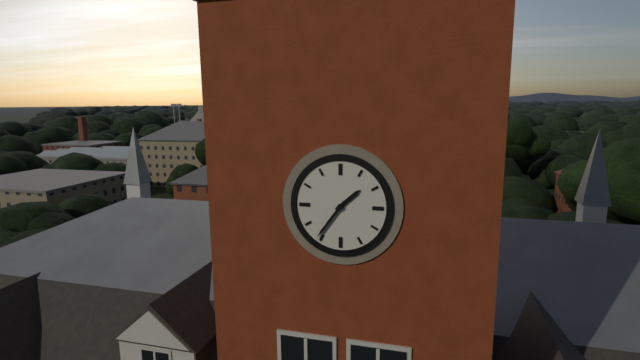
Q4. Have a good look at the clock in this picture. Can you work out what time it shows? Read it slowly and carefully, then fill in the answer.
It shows 1:36
